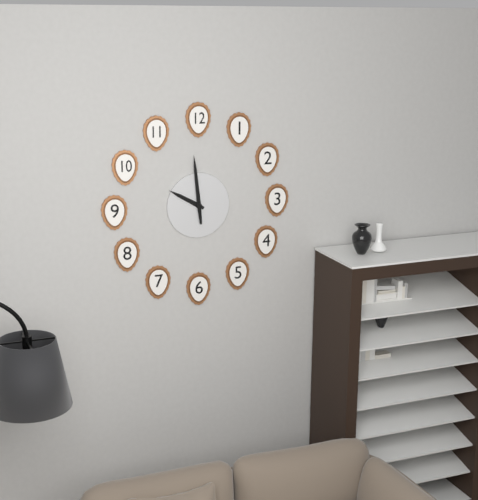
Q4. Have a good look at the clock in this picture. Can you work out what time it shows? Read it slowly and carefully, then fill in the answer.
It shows 9:59
